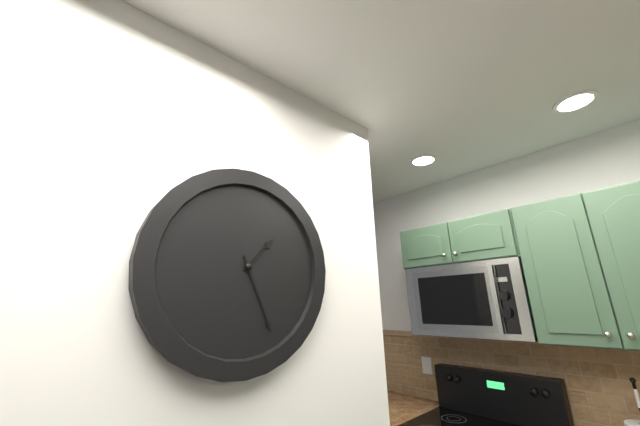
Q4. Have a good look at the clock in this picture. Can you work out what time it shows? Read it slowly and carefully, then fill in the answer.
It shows 1:26
